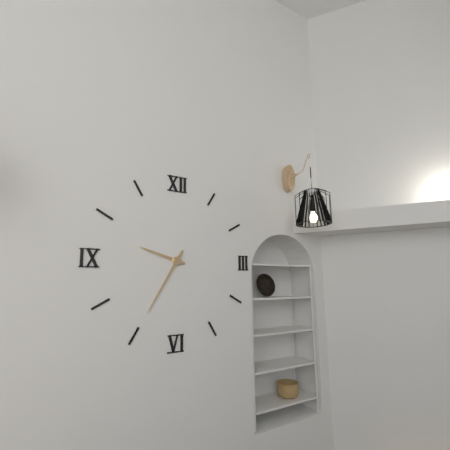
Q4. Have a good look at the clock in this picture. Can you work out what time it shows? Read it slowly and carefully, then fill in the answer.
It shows 9:35
